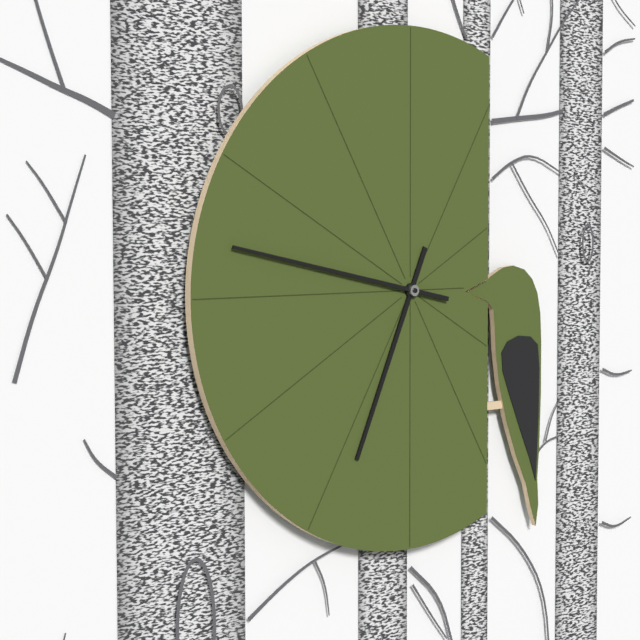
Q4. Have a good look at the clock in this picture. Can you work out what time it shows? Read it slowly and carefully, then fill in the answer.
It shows 6:47
